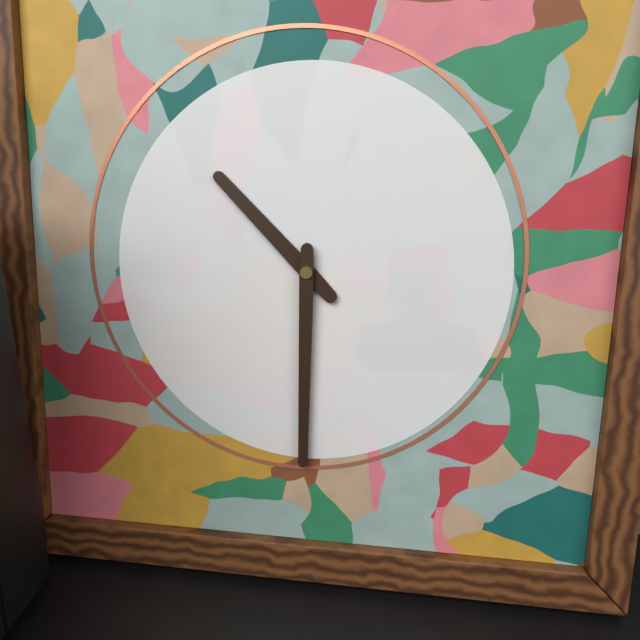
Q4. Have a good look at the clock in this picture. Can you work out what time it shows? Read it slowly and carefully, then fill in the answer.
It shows 10:30
